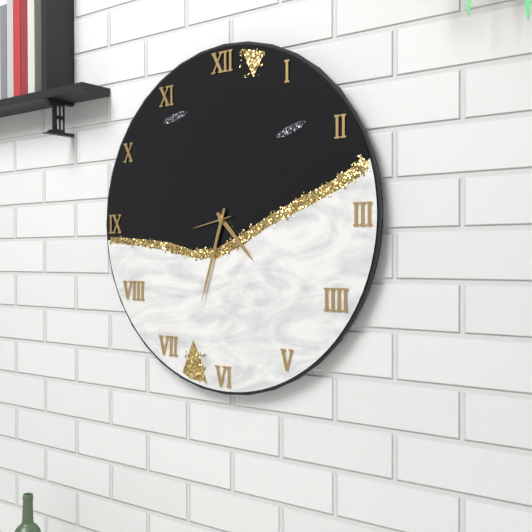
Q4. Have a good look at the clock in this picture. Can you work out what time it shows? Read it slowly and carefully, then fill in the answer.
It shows 4:33:43
